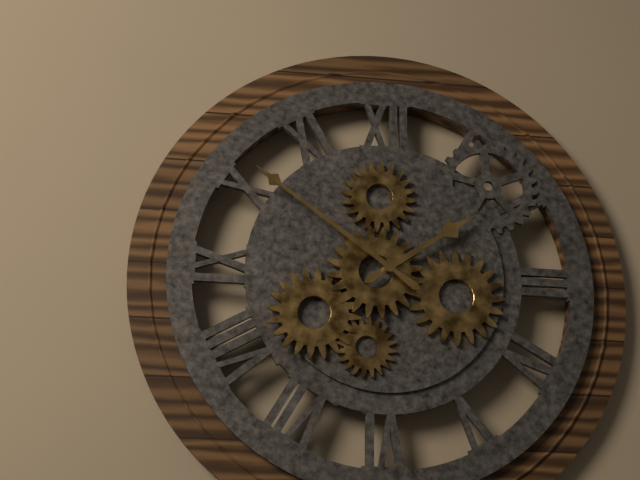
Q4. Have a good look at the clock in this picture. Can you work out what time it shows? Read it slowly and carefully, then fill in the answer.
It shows 1:51
